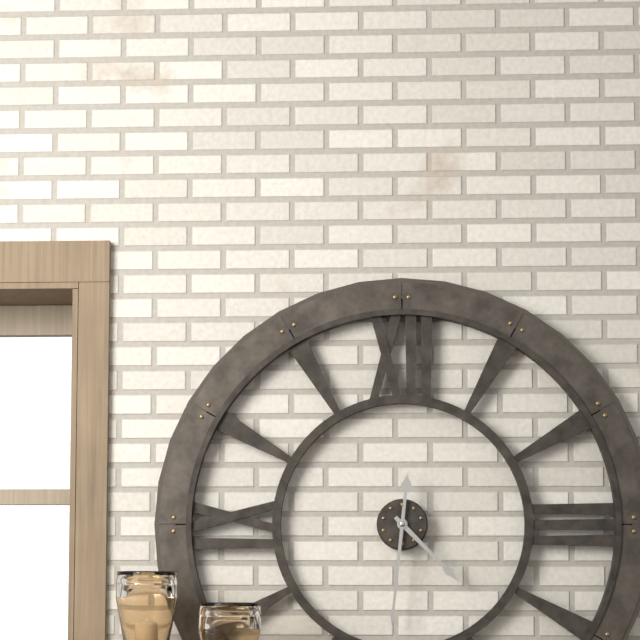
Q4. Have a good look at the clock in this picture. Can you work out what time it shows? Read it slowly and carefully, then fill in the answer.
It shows 4:31
